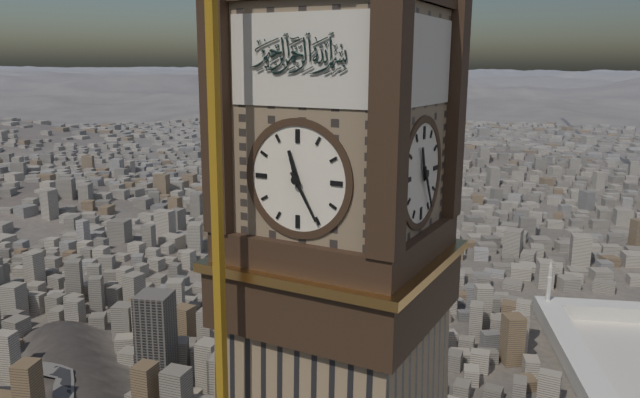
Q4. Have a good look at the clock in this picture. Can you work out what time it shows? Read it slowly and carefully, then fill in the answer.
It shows 11:25
